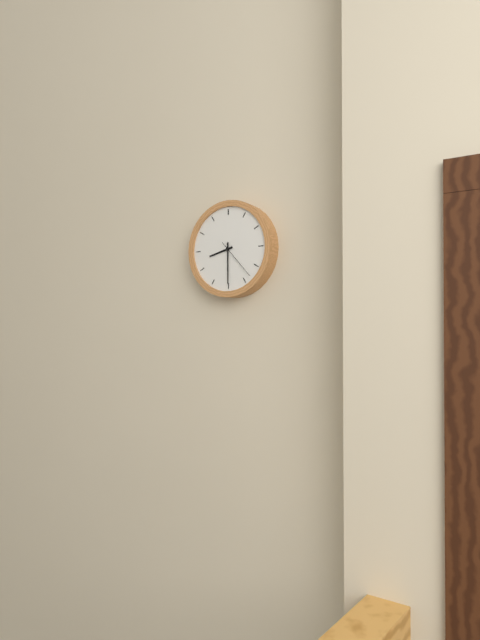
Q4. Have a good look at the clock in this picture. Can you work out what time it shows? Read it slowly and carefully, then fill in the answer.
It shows 8:30
